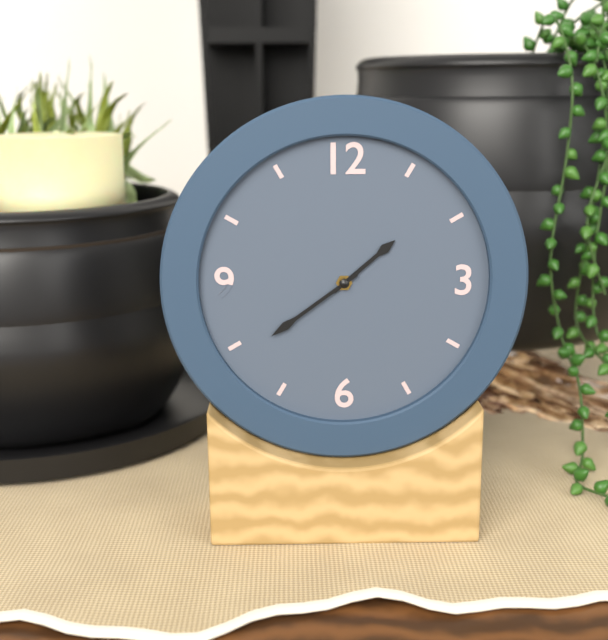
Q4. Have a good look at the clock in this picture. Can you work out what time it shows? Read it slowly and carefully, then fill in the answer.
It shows 1:39
